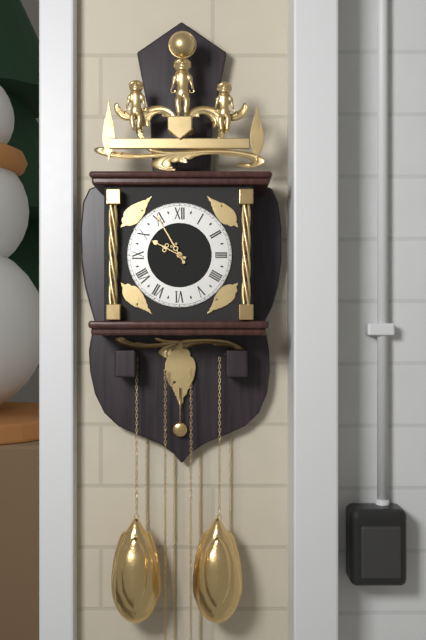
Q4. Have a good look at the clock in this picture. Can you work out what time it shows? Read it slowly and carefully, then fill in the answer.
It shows 9:55
